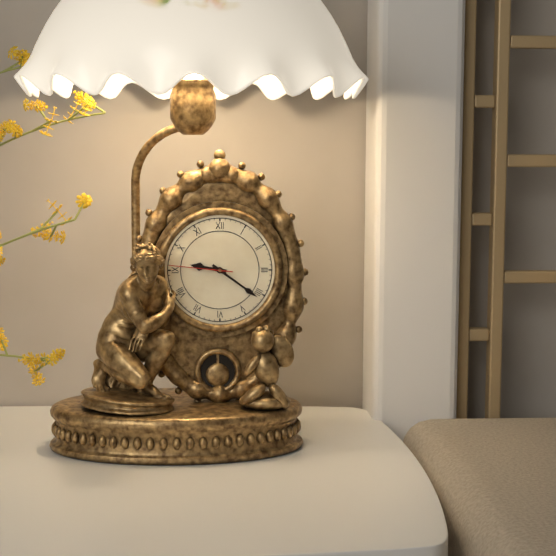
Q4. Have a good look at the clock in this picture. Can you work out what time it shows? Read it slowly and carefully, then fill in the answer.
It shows 9:21:46
